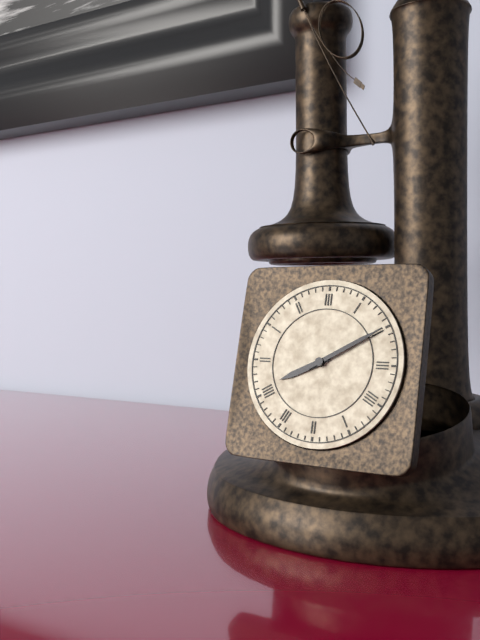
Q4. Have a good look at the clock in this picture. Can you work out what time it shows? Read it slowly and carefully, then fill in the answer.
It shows 8:10
